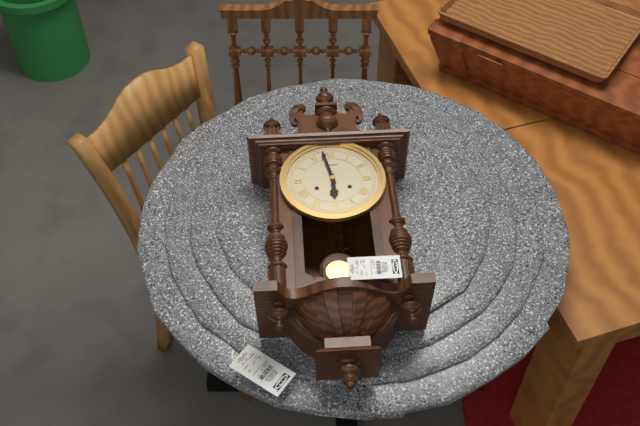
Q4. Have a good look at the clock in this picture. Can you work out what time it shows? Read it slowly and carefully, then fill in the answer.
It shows 5:58
